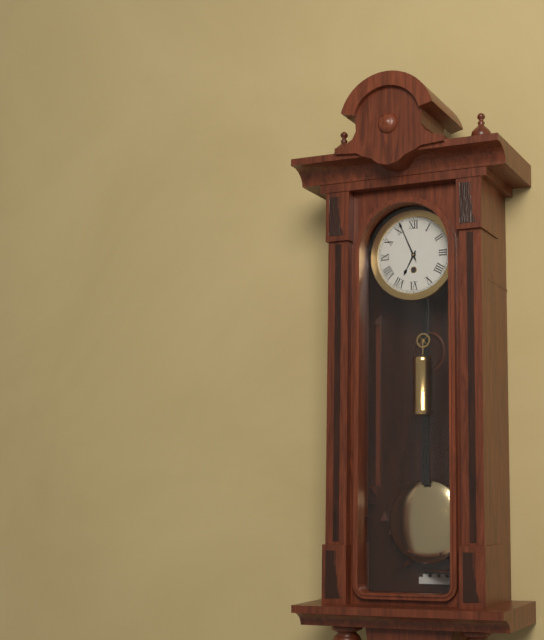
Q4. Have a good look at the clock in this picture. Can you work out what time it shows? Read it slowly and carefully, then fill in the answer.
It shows 6:56
